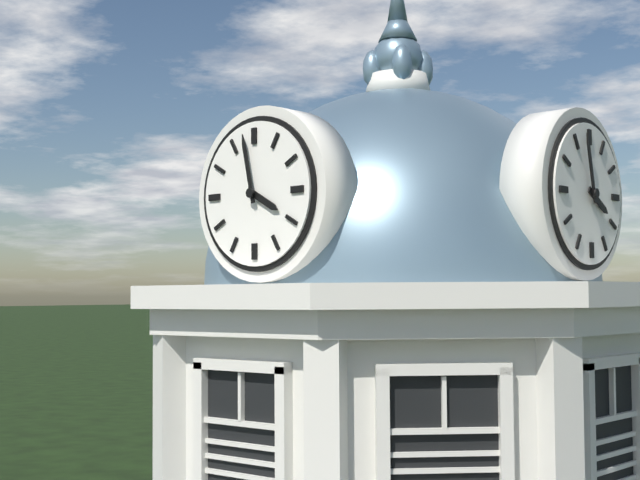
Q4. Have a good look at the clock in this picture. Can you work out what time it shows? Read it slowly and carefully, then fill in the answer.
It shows 3:58
